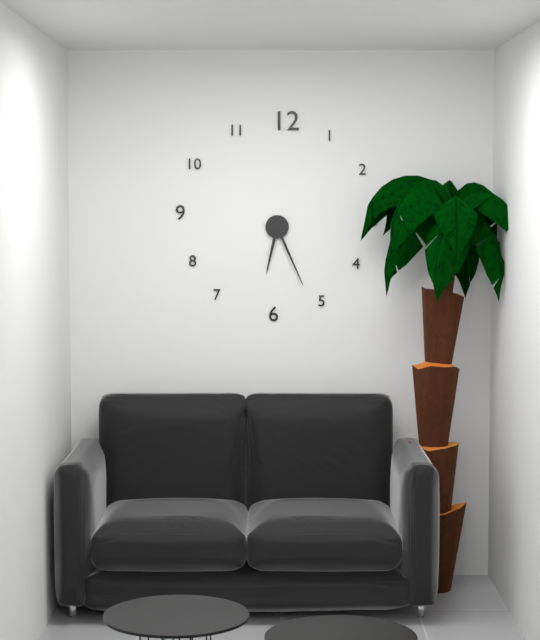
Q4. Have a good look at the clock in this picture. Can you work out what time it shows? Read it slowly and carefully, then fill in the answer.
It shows 6:26
